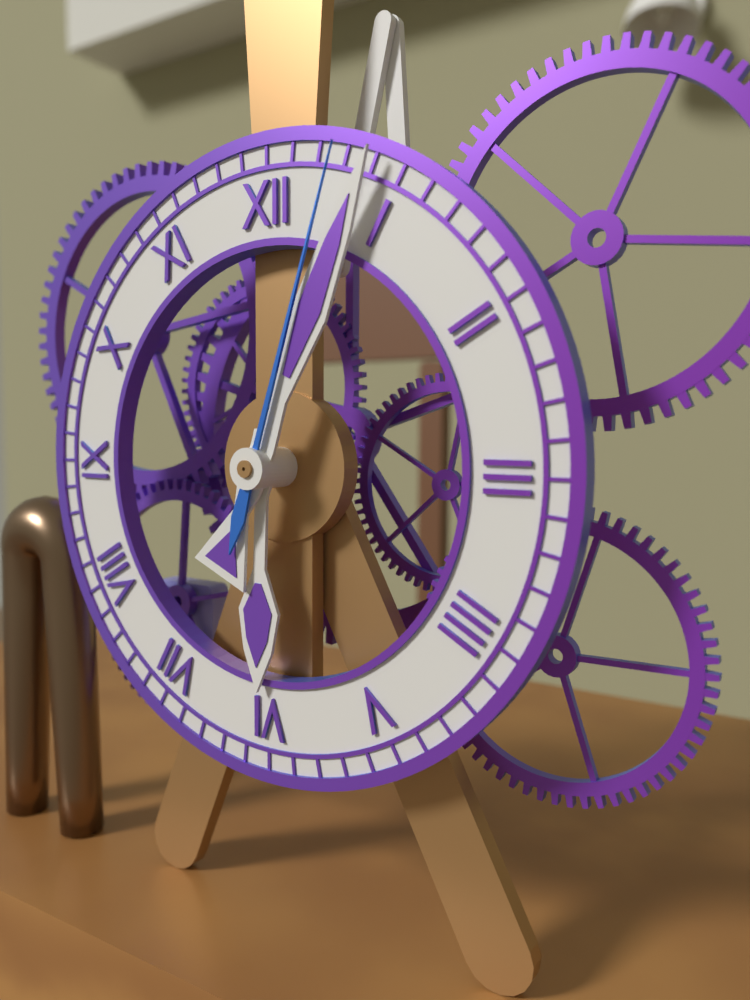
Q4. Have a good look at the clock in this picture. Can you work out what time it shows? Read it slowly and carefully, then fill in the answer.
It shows 6:04:03
